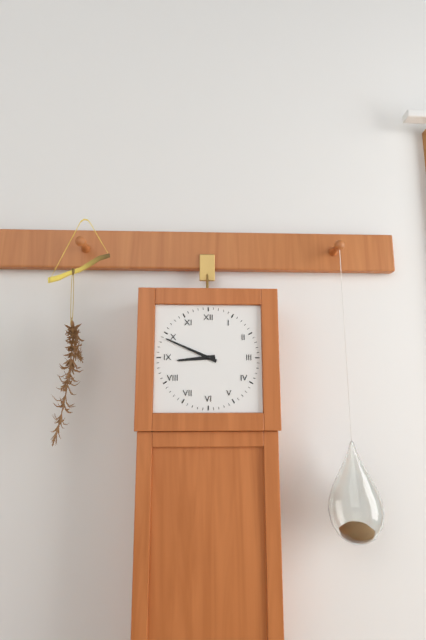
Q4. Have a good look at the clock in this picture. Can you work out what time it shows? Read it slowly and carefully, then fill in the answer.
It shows 8:49
